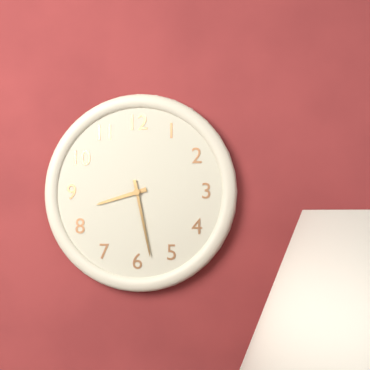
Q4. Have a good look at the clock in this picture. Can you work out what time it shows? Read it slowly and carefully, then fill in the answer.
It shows 8:28
